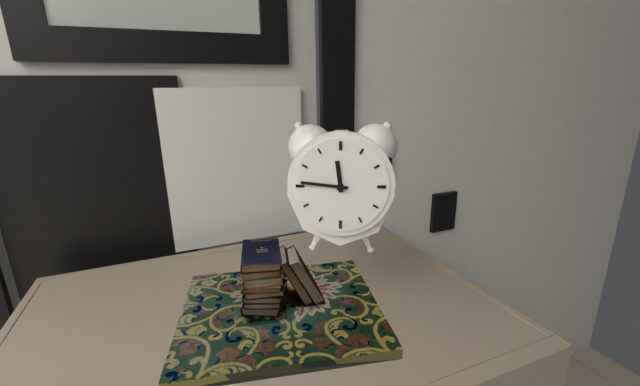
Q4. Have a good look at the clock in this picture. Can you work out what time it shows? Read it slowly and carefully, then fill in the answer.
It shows 11:46
